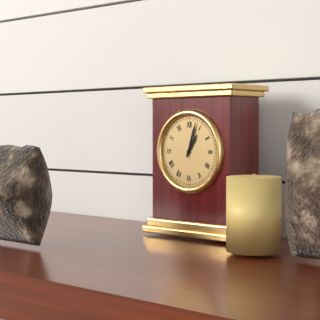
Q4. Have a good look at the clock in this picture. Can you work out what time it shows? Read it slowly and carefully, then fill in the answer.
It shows 1:03
